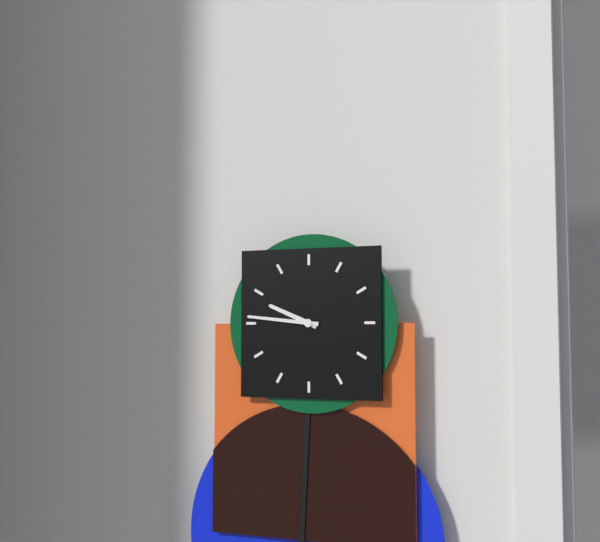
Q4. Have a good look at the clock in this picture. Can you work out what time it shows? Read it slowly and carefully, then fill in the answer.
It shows 9:46
